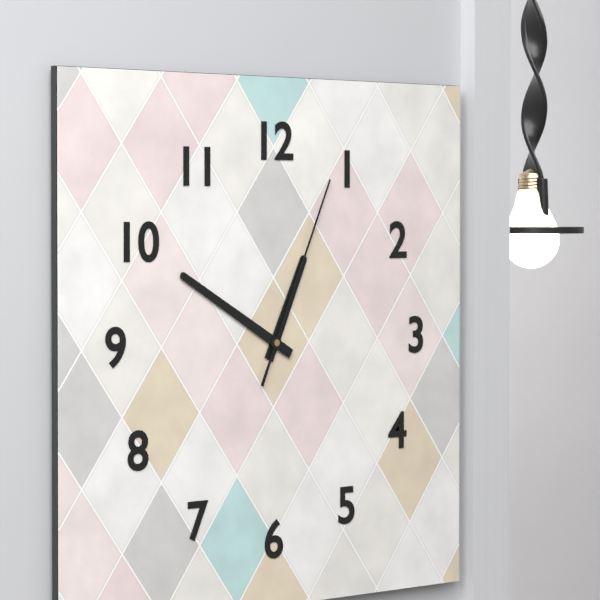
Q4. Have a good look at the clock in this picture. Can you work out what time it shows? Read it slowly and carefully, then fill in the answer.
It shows 12:50:04
